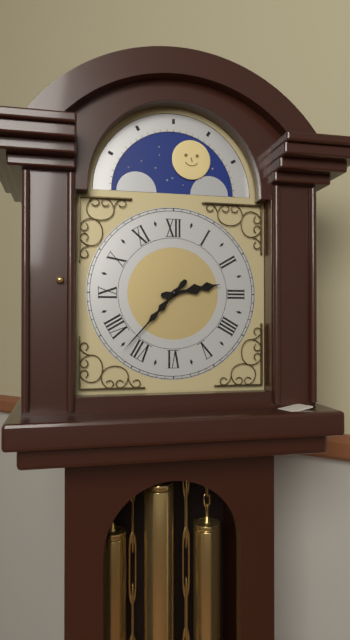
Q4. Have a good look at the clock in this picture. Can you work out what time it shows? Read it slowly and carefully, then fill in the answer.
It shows 2:37
